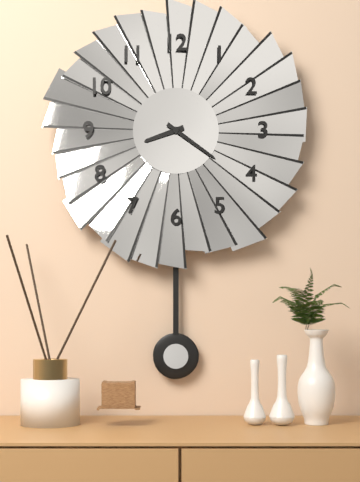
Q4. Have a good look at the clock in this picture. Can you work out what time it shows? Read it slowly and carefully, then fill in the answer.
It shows 8:21
